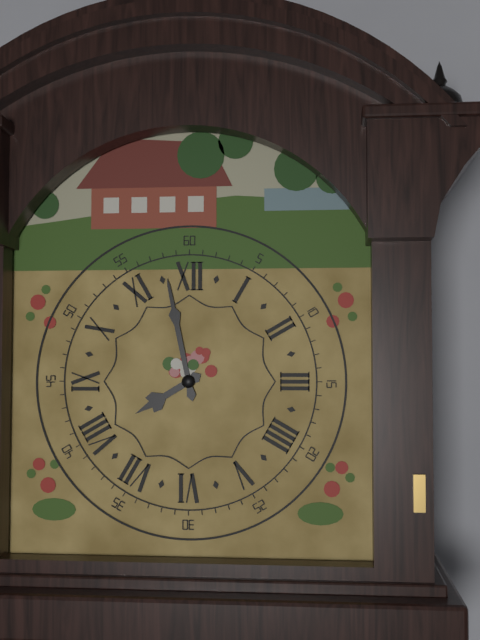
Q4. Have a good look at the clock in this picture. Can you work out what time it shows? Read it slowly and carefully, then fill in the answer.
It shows 7:58
